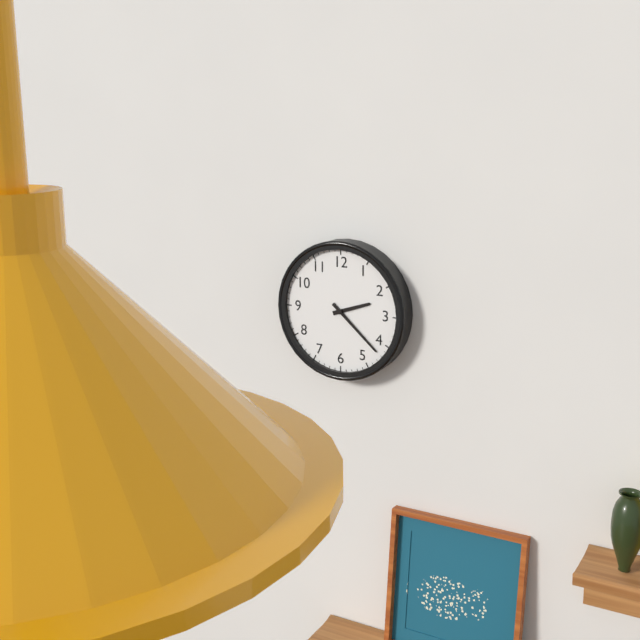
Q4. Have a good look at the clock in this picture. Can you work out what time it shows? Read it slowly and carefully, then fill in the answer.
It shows 2:22
